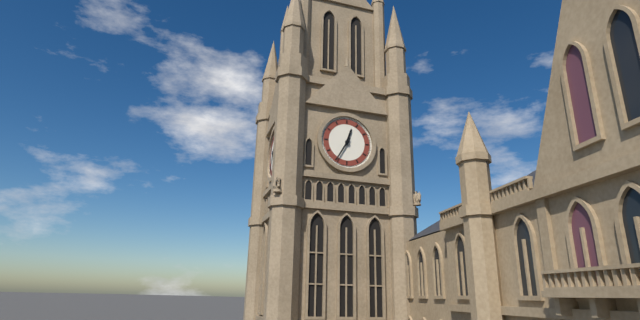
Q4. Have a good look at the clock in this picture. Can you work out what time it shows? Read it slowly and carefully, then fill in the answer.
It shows 12:35
